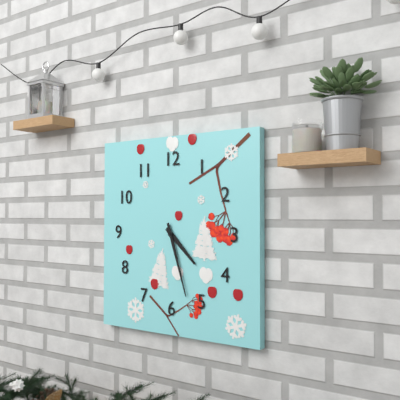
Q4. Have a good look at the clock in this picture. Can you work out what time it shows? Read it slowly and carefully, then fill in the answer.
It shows 4:27
